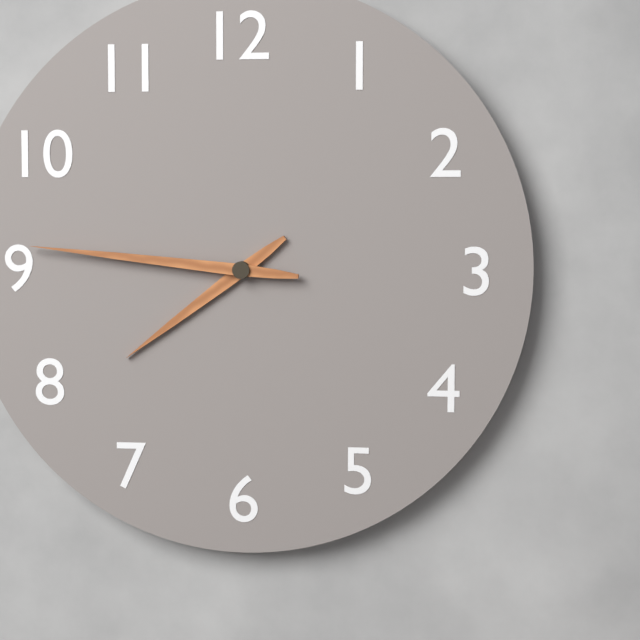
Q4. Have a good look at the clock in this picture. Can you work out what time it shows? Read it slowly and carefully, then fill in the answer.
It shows 7:46
